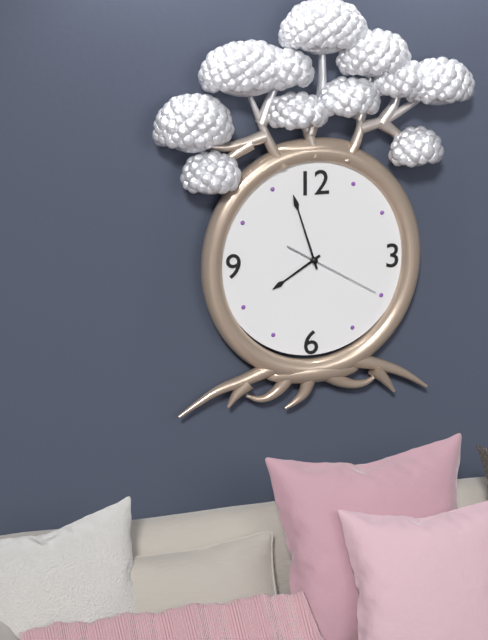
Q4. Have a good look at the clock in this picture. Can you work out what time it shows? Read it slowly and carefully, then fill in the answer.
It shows 7:57:20
